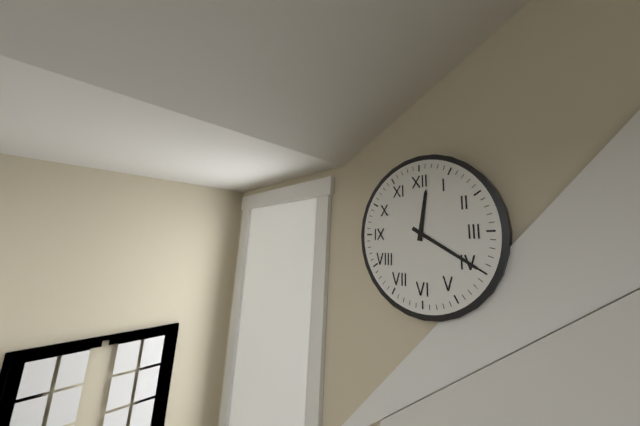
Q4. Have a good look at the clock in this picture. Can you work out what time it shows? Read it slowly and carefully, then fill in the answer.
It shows 12:20
